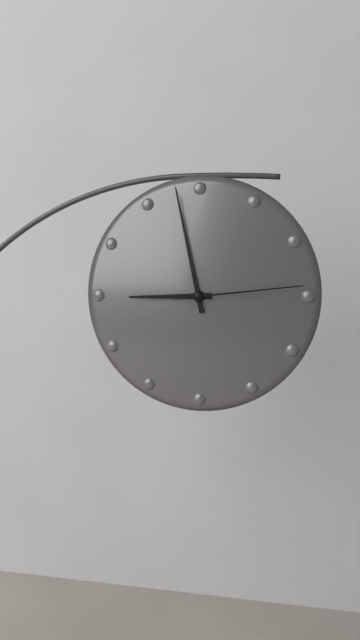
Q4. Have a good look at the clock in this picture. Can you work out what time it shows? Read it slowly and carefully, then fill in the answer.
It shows 8:58:14
